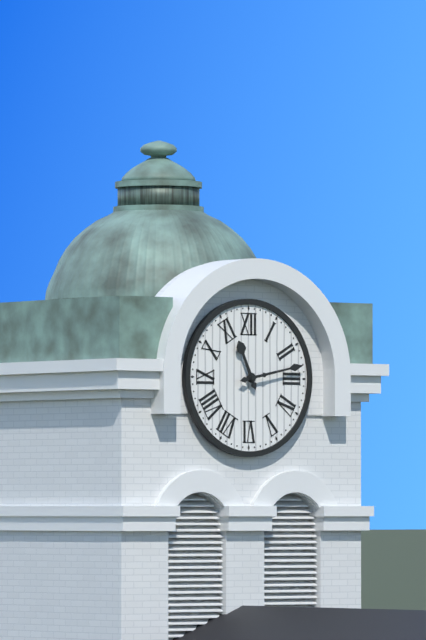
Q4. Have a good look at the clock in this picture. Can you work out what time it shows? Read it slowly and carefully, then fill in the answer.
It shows 11:13
